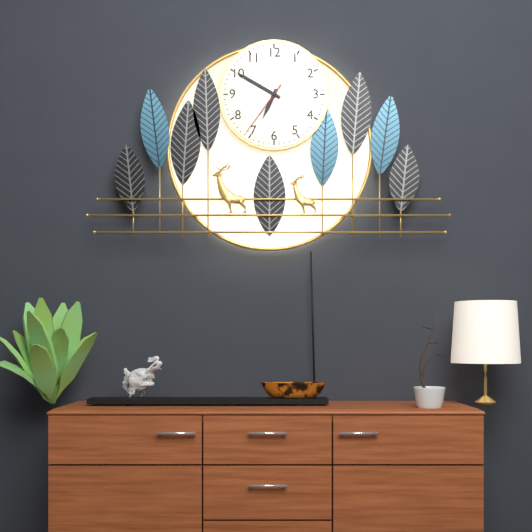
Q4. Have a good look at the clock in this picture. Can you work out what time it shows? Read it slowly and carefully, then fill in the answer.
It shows 6:50:36
